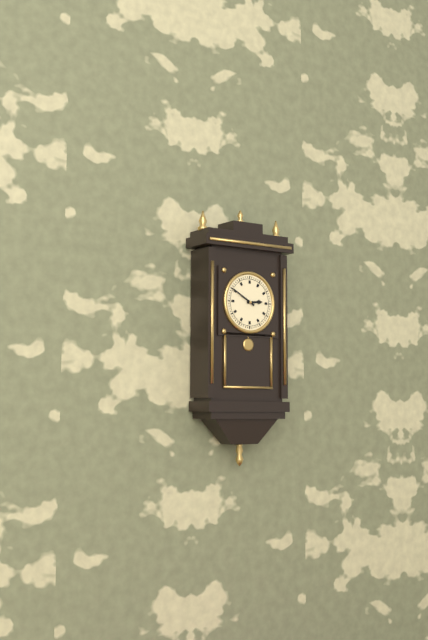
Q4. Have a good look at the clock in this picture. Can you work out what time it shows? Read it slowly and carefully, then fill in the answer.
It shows 2:50
